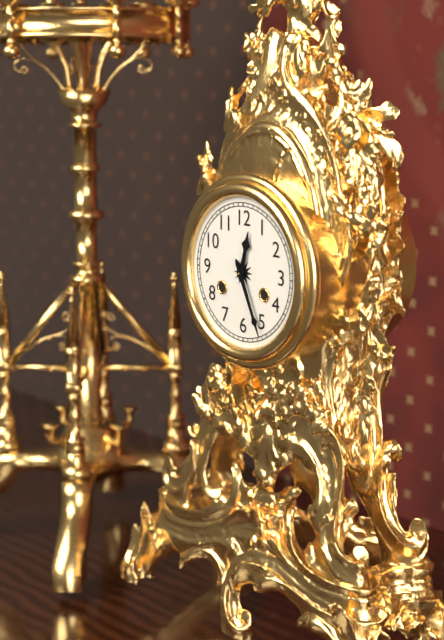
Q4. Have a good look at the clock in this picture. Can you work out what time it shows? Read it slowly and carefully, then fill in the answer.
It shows 12:26
